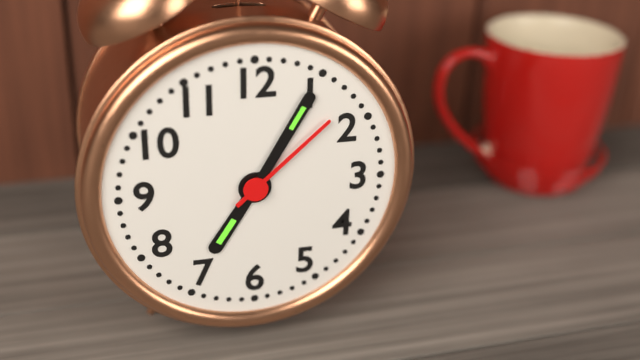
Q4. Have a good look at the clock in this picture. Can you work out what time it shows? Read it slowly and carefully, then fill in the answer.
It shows 7:05:08
